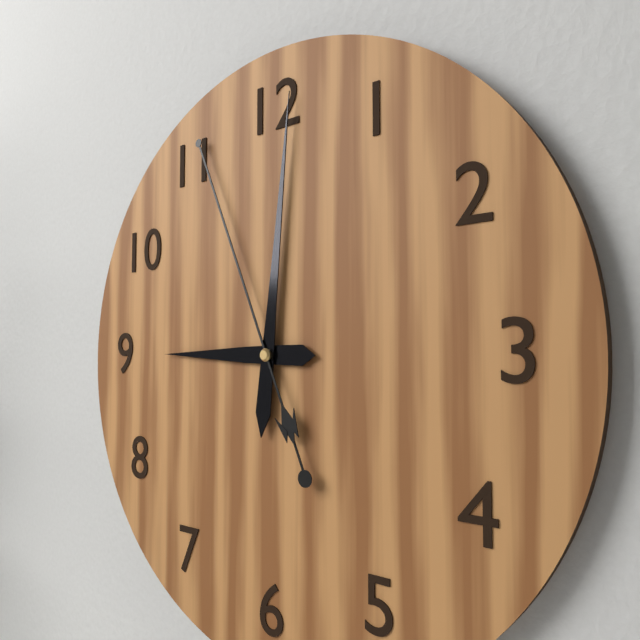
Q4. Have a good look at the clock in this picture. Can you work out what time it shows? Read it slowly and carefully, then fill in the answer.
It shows 9:01:56
